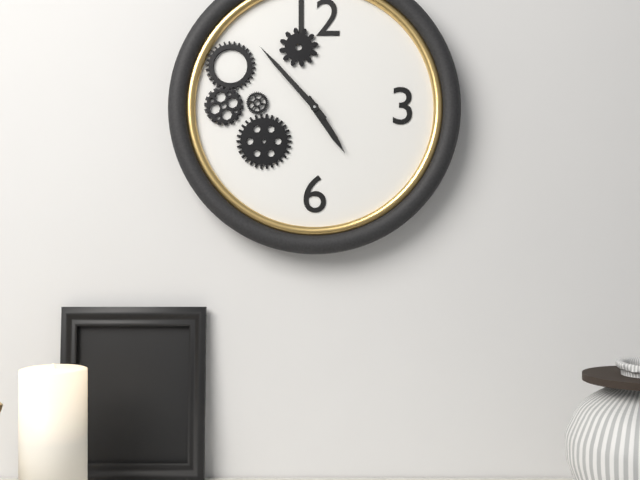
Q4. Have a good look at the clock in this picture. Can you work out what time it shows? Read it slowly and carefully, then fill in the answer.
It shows 4:53
